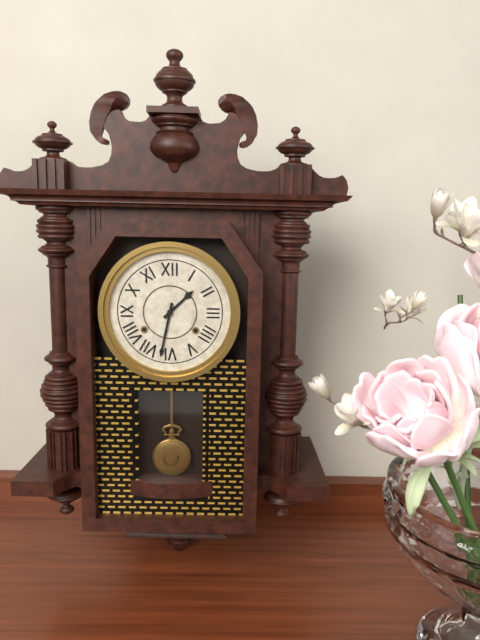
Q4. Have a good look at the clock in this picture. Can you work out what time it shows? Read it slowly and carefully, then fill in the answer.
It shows 1:32
